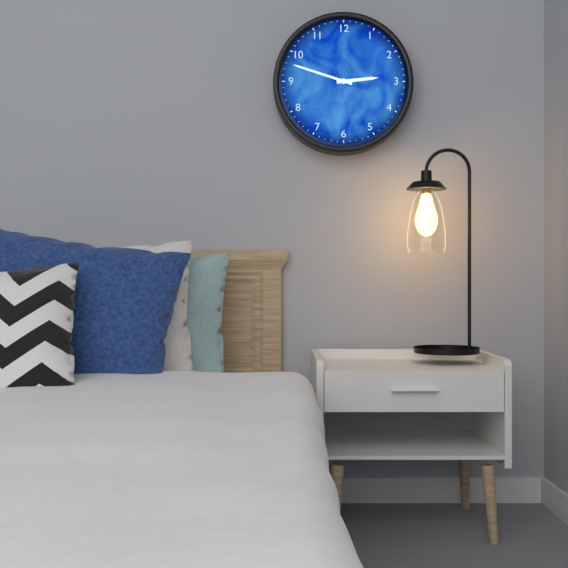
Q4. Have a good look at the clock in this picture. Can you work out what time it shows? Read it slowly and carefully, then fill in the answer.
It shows 2:48
